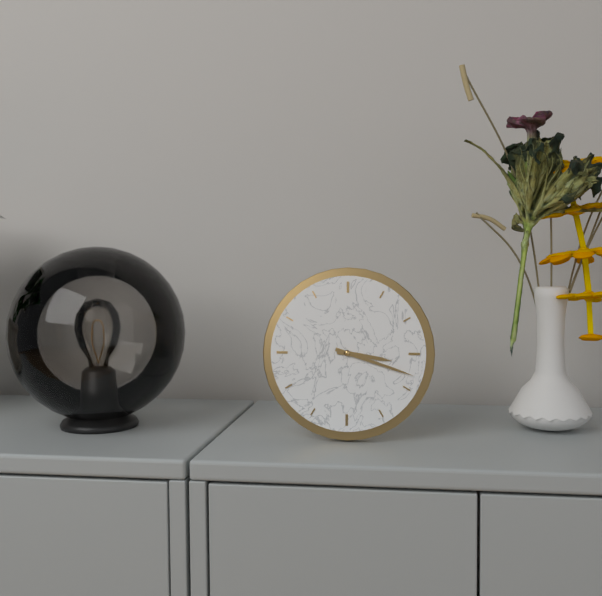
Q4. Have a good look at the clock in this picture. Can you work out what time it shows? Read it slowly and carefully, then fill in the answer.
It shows 3:18
